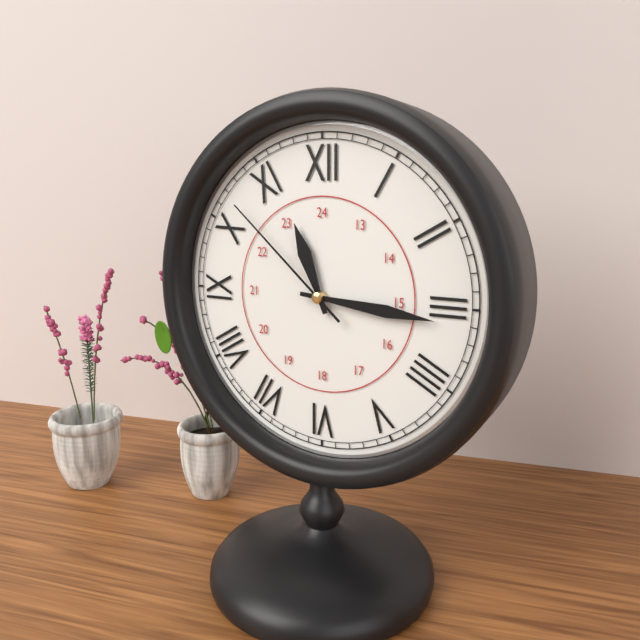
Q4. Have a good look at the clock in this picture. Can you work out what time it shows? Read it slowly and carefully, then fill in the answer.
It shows 11:16:52
